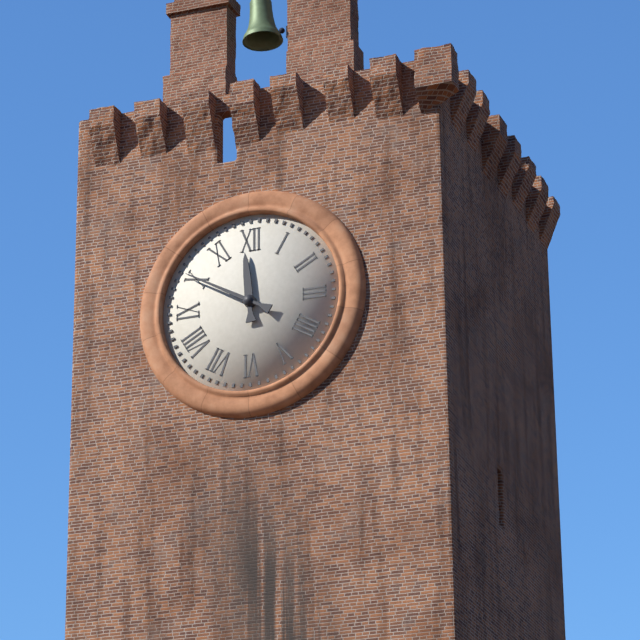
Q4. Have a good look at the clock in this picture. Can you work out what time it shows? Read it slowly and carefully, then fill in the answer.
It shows 11:50
